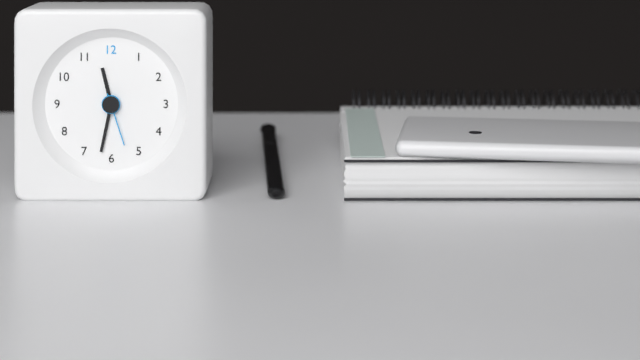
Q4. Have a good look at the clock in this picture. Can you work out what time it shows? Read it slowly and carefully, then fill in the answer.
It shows 11:32:27
